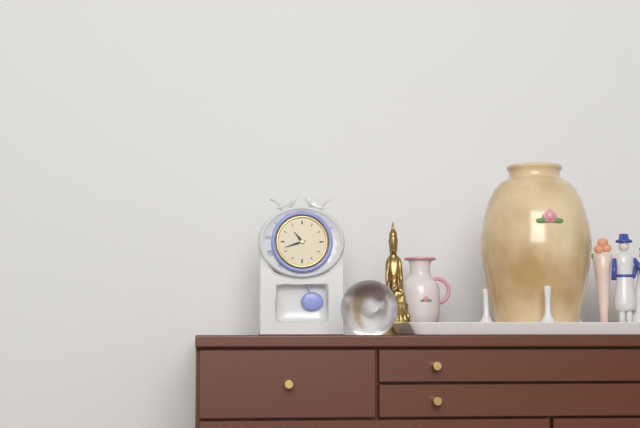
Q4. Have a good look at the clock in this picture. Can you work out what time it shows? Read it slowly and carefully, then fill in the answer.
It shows 10:42
